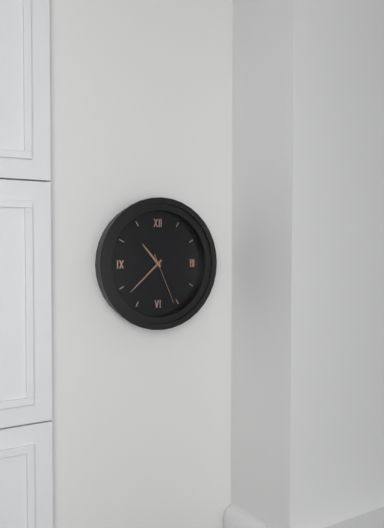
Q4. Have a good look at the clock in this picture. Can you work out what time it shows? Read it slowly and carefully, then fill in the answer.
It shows 10:38:26
